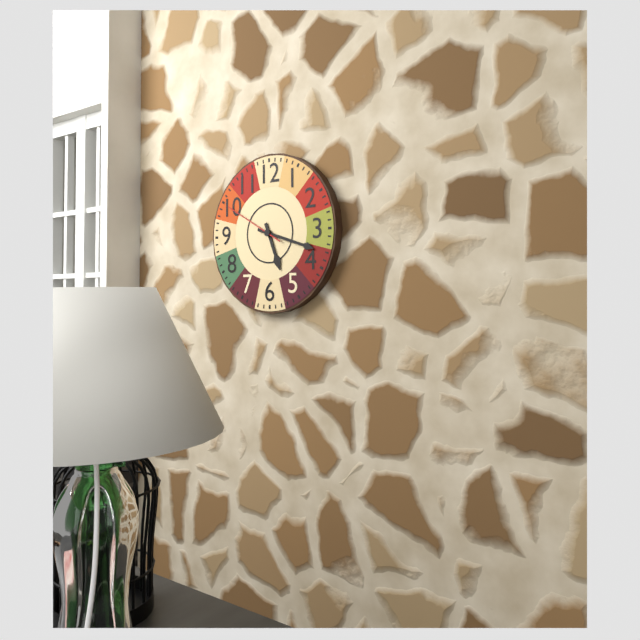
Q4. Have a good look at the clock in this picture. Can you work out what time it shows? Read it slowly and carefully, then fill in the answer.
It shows 5:18:50
